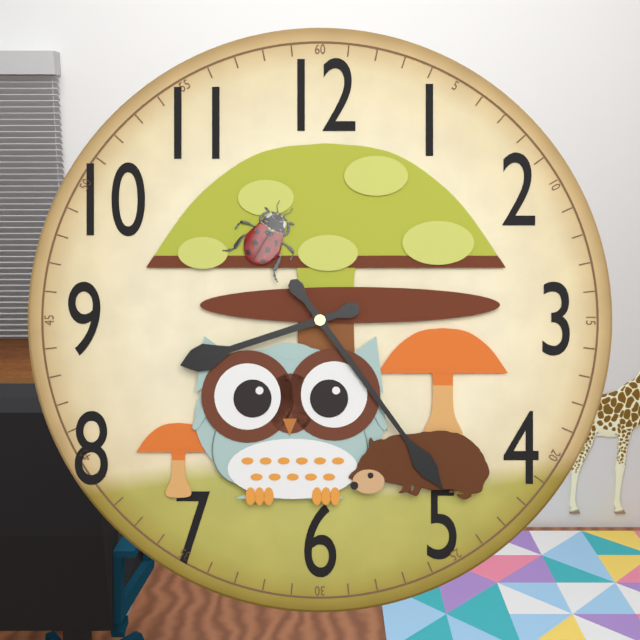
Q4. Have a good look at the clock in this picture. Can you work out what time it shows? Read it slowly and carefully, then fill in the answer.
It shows 8:24
